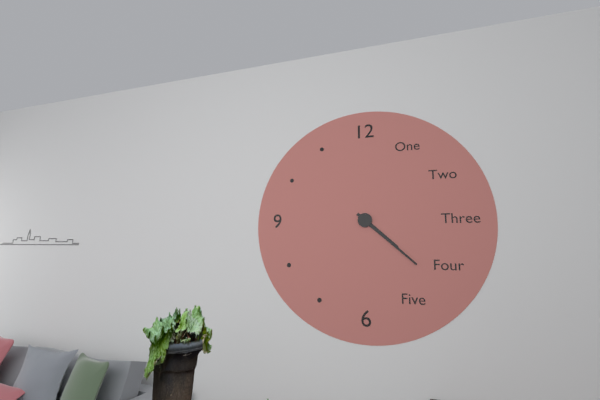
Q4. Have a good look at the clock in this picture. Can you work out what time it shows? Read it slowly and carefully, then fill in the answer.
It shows 4:22
